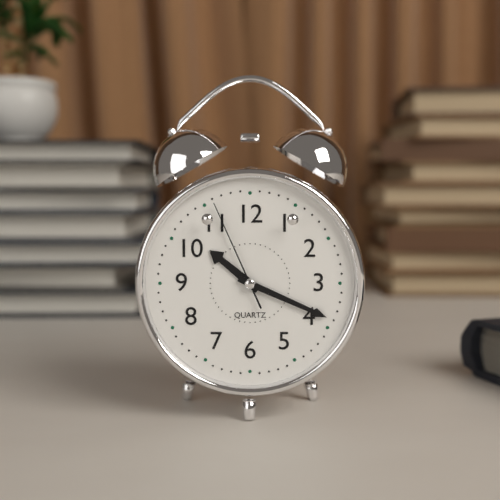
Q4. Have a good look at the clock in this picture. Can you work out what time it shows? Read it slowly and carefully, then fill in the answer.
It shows 10:19:56
